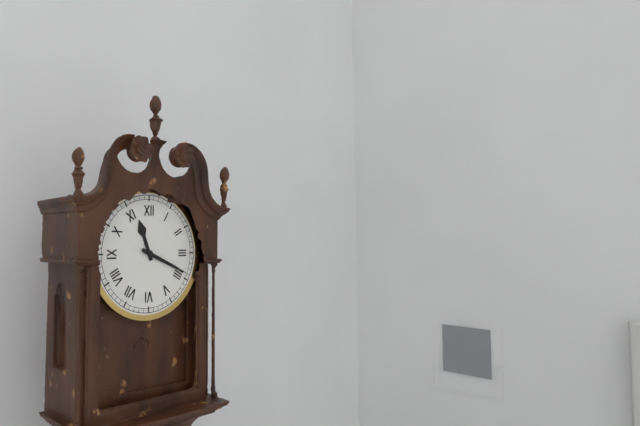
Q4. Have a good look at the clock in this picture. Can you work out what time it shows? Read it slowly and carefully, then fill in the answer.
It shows 11:19
